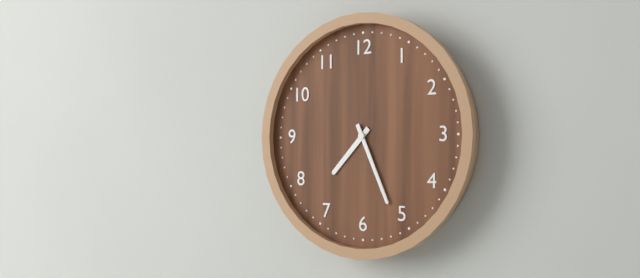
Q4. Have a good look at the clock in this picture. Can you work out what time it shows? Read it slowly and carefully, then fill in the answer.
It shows 7:26
